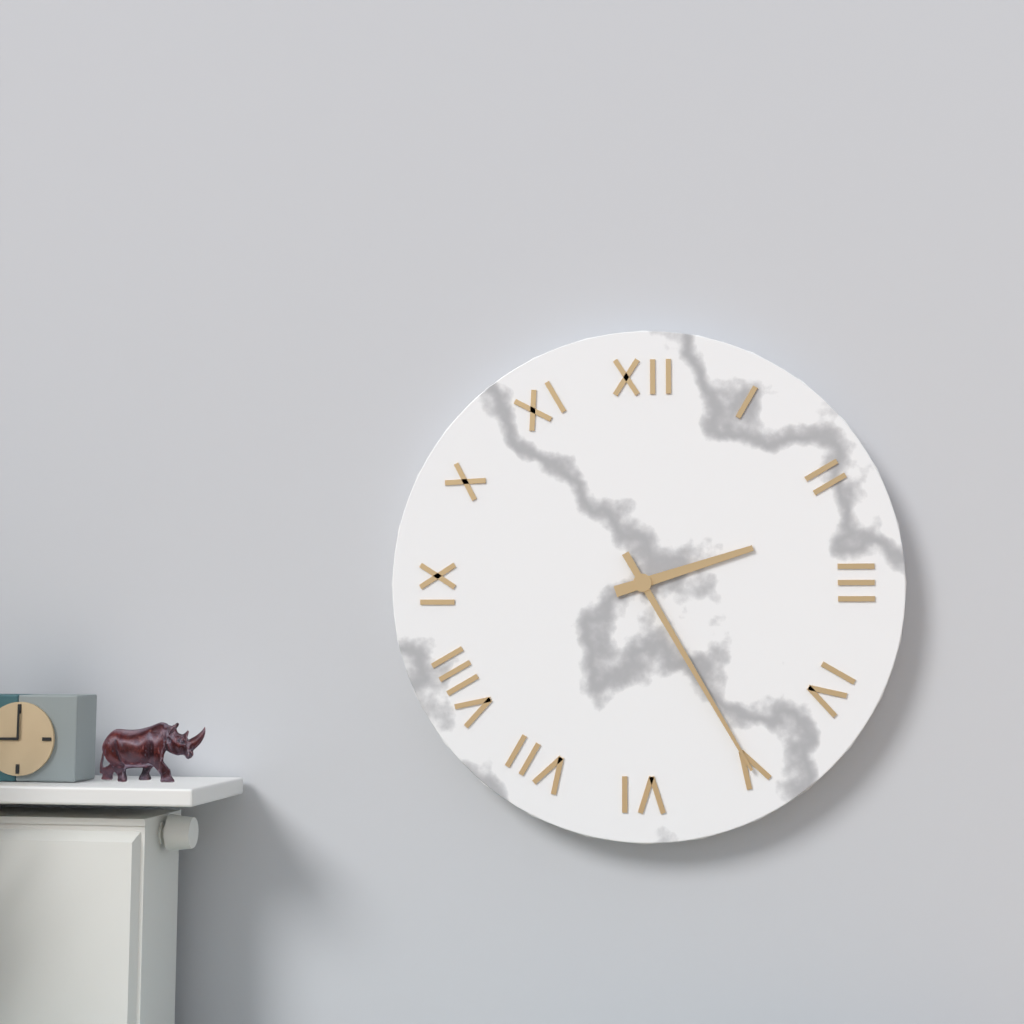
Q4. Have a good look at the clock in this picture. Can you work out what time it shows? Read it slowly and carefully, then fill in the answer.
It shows 2:25
